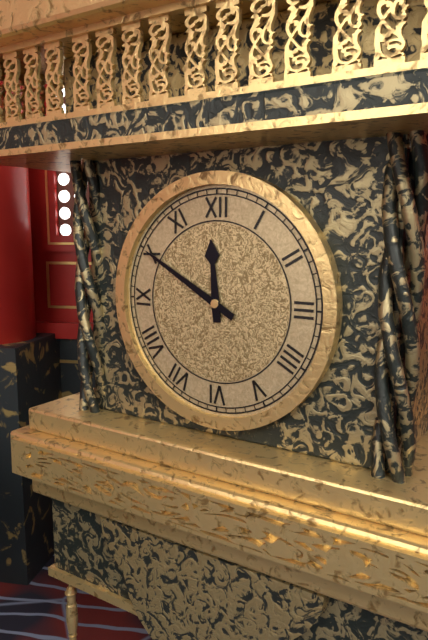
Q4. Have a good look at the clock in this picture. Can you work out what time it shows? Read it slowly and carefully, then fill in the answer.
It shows 11:50
